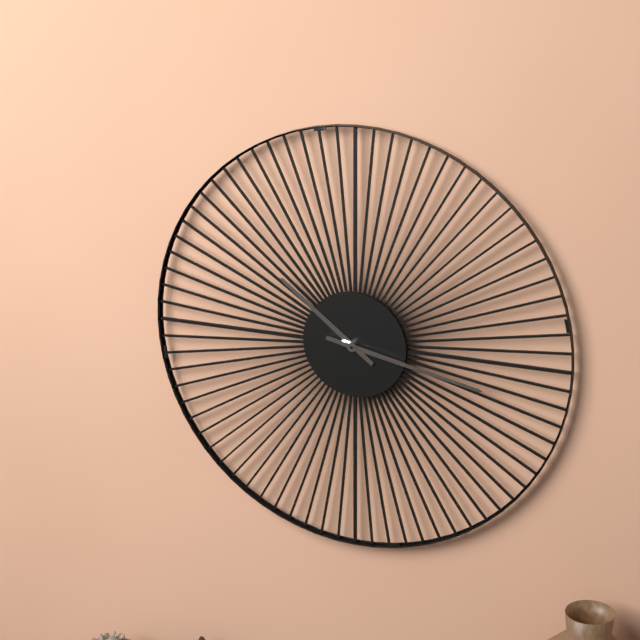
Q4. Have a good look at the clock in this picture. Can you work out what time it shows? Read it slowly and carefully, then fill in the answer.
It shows 10:17
